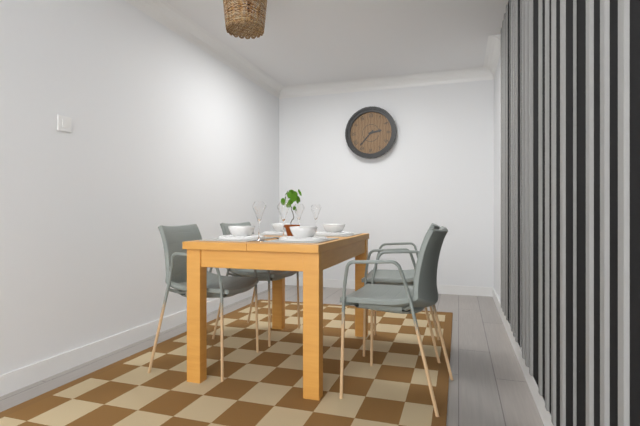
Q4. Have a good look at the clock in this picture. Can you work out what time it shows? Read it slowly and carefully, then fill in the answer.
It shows 2:37
